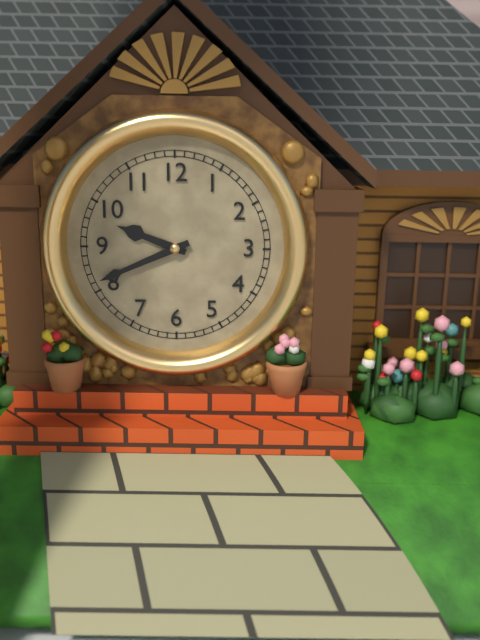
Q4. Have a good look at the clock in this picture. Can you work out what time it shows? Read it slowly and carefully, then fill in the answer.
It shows 9:41
